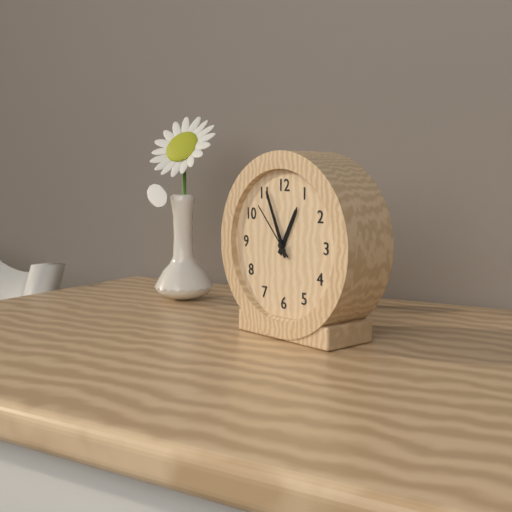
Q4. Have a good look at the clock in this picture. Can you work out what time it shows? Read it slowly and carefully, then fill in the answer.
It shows 12:56:53
